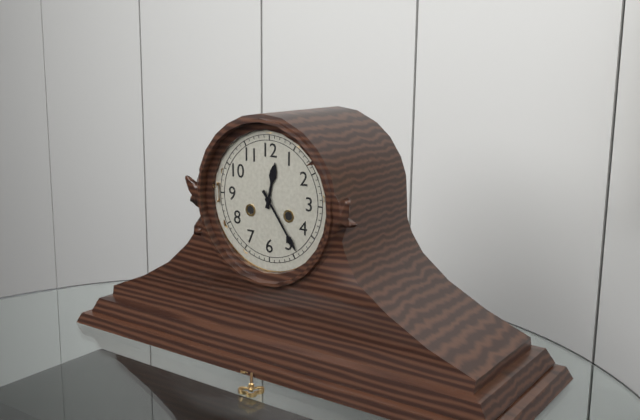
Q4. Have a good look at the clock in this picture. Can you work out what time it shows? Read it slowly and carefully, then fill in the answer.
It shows 12:24
